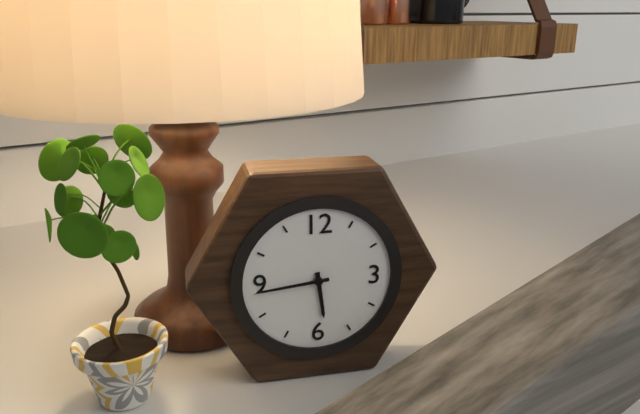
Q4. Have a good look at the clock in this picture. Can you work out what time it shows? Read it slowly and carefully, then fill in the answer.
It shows 5:44
